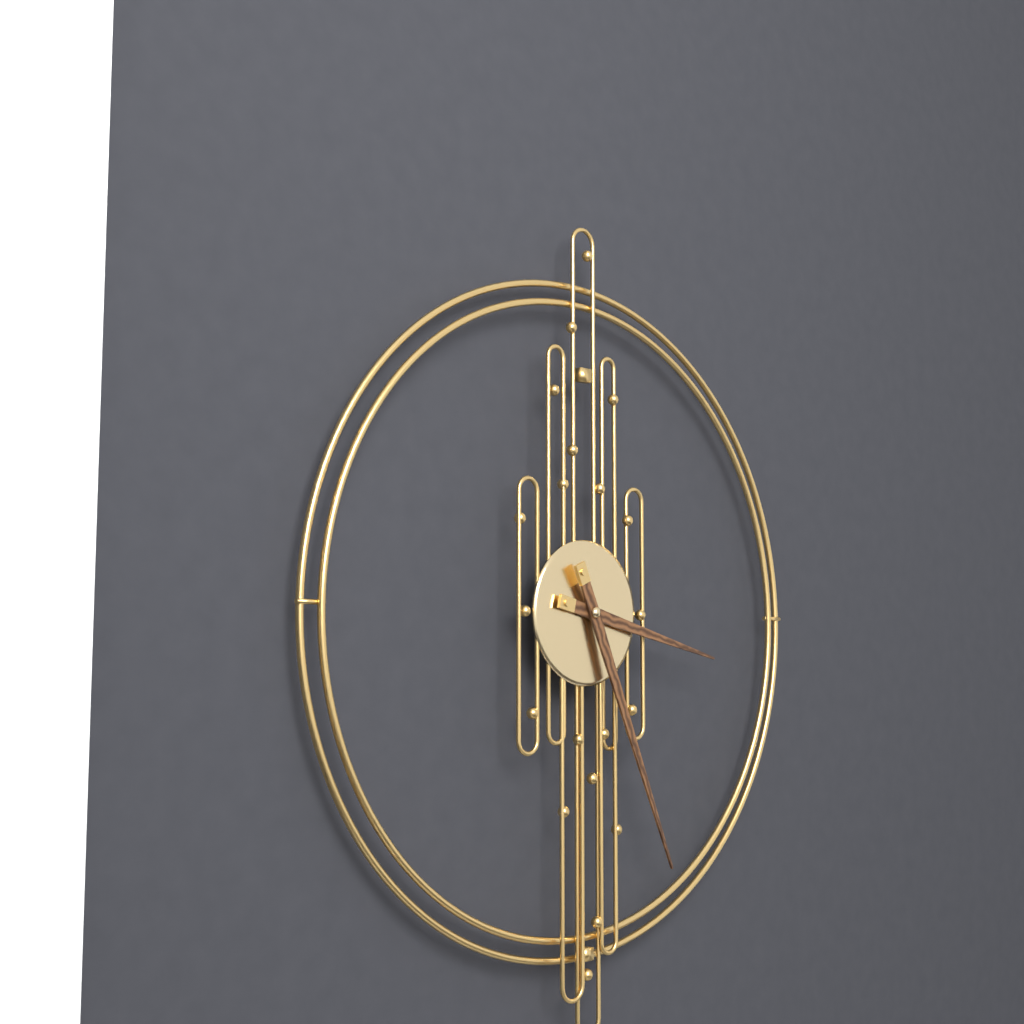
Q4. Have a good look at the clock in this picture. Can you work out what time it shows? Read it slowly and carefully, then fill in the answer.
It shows 3:26
